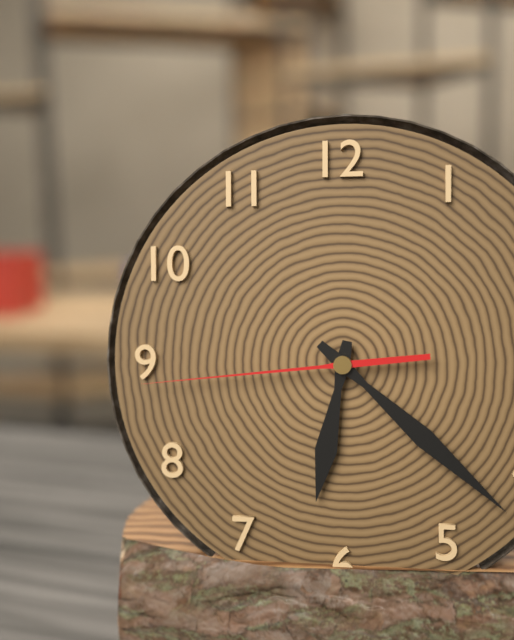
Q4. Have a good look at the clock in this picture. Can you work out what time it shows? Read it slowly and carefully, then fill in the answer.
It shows 6:22:44
